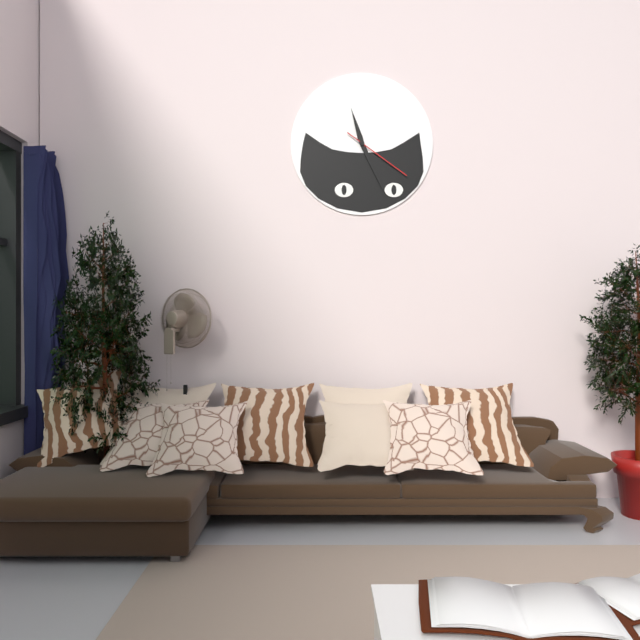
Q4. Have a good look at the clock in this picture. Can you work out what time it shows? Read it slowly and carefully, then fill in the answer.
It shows 11:26:21
